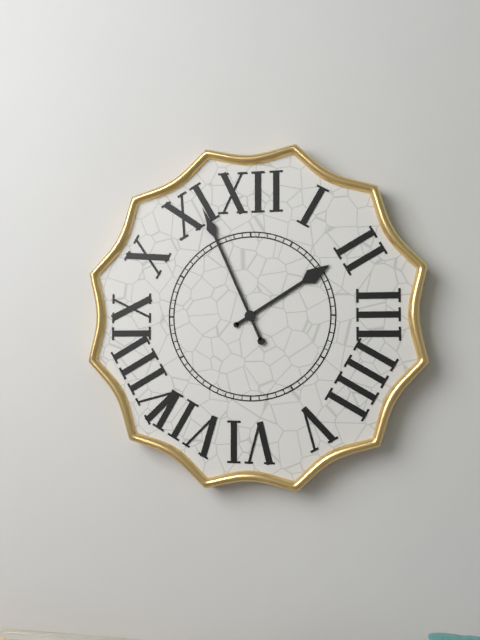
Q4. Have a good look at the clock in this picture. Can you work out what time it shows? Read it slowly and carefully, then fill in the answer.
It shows 1:56
